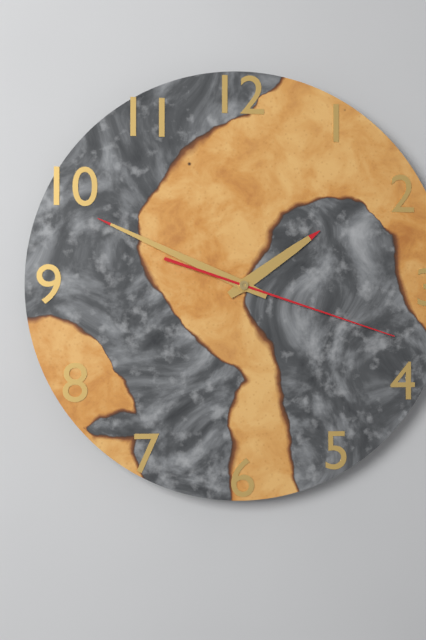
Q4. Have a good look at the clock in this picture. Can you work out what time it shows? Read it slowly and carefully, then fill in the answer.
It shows 1:49:18
